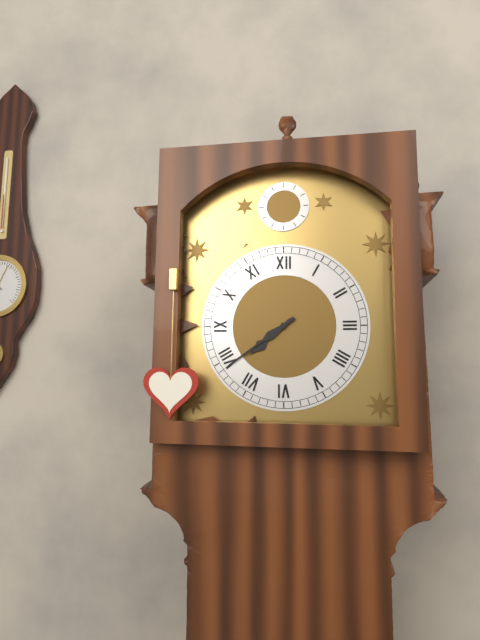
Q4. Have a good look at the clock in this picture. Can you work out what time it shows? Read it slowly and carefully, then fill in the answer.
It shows 7:39
